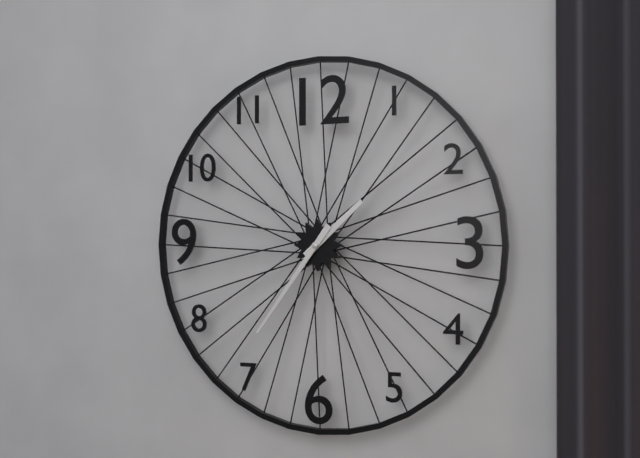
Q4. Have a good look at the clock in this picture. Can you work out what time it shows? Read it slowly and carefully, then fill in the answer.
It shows 1:36
